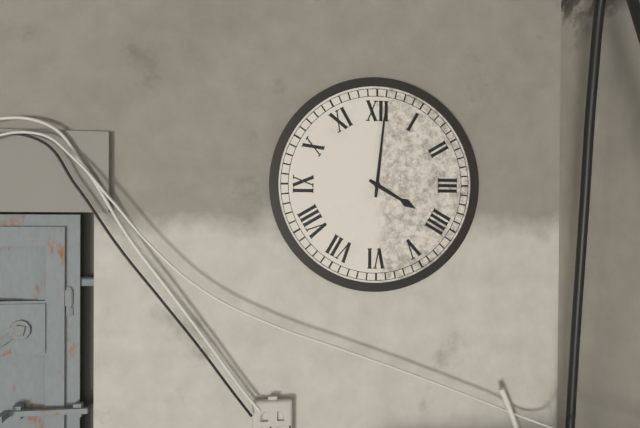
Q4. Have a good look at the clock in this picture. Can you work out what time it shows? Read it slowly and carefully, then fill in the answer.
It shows 4:01
